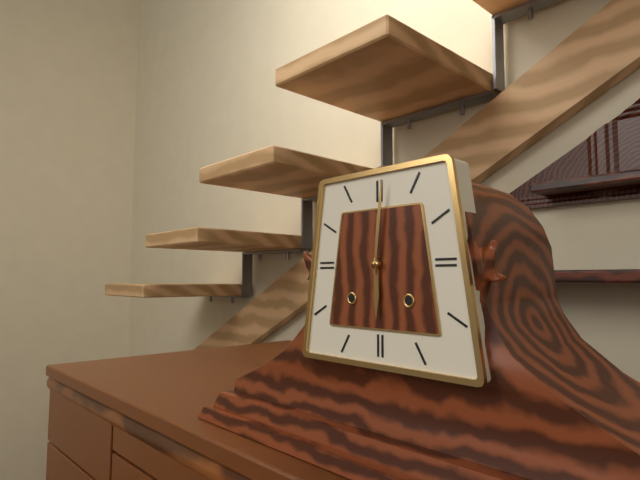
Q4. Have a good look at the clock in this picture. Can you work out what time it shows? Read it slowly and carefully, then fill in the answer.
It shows 6:01
